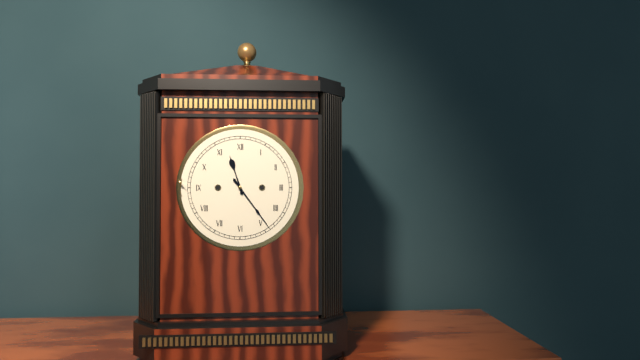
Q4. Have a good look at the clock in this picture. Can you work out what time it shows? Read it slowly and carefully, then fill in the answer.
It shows 11:24
